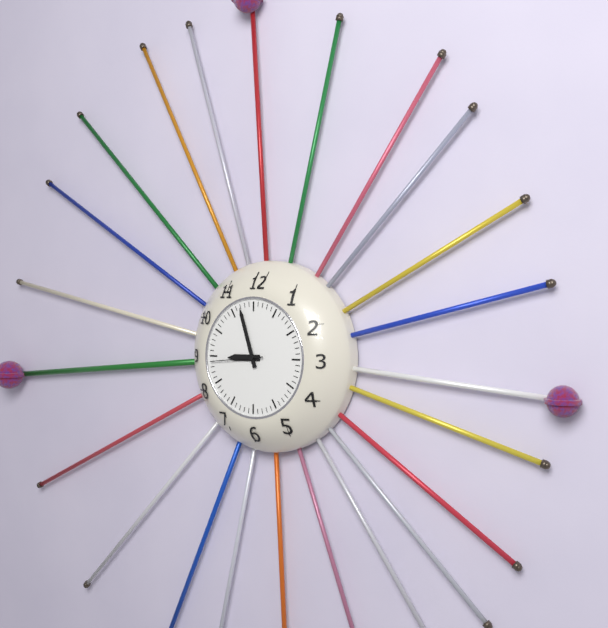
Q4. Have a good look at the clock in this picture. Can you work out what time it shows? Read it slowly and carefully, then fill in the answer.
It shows 8:57:44
